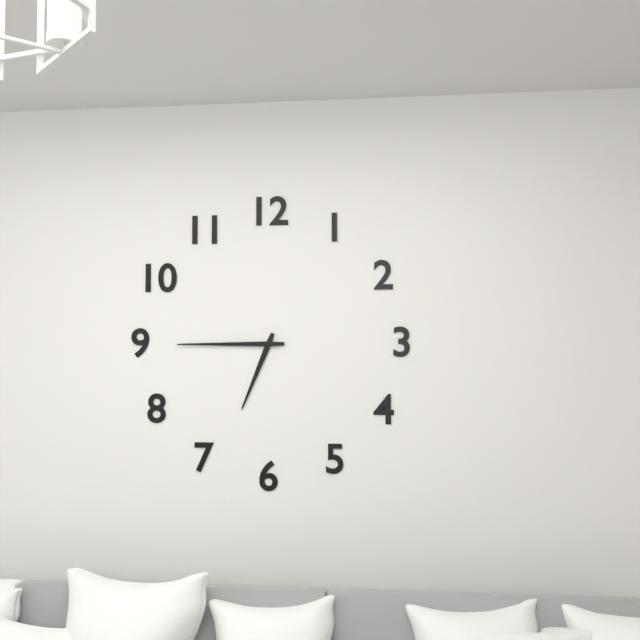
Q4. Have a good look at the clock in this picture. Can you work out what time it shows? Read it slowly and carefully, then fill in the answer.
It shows 6:45
